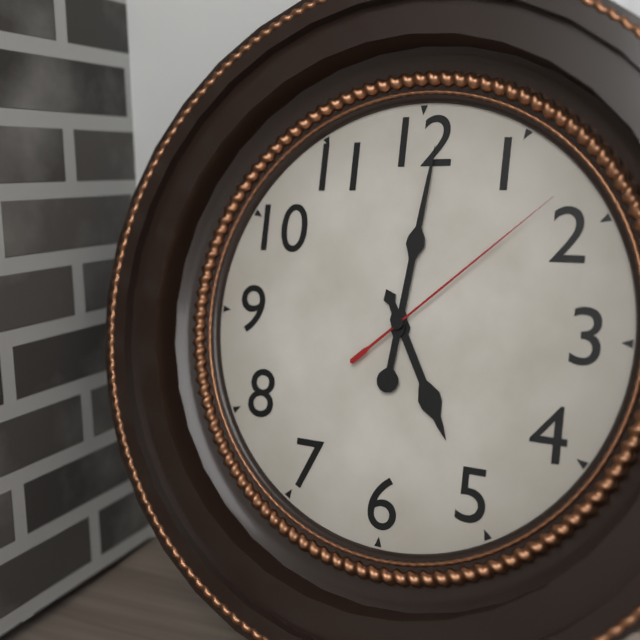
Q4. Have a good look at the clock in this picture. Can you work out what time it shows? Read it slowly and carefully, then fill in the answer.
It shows 5:01:08
